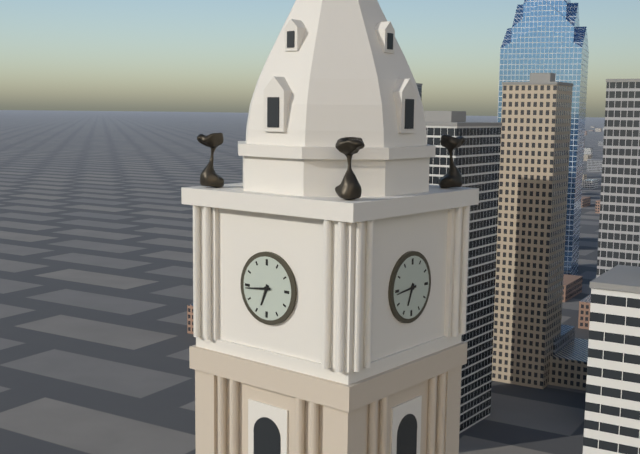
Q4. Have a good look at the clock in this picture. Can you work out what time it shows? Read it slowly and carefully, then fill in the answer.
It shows 6:44
